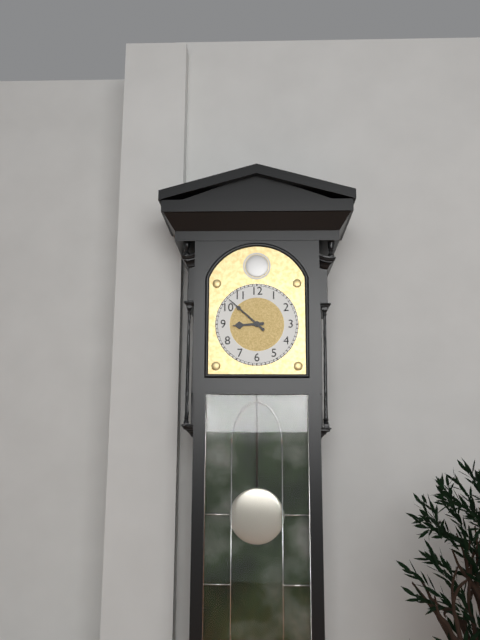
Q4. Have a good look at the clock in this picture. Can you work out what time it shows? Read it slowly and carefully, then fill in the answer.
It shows 8:52
